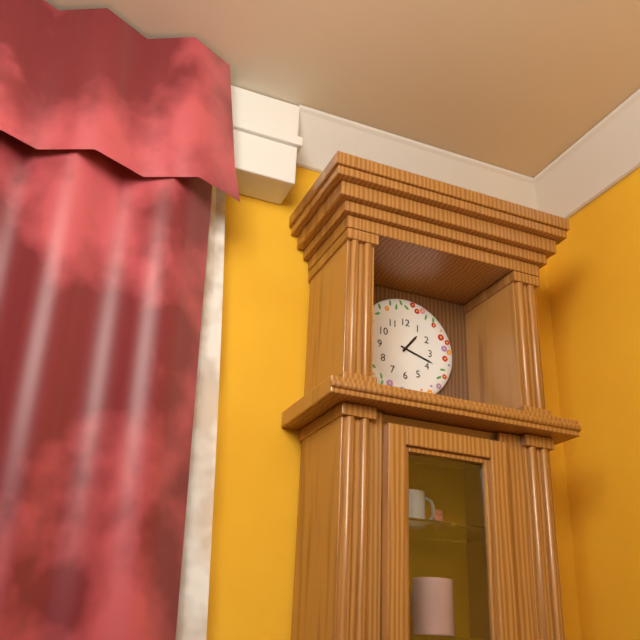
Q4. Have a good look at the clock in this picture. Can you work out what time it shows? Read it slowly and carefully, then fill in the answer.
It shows 1:18
